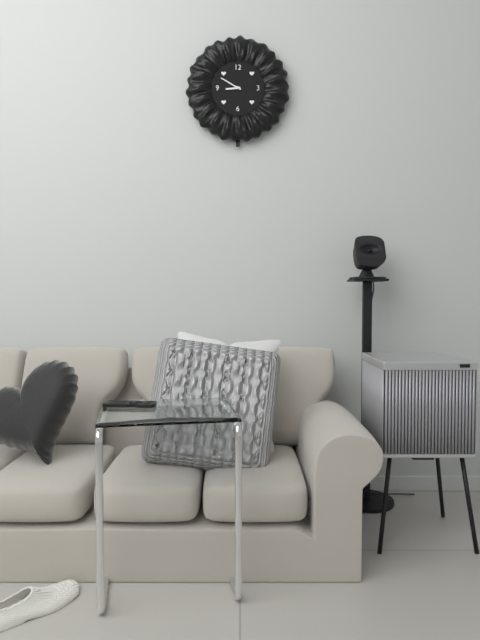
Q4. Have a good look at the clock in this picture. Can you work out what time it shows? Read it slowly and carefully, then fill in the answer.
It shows 8:50
